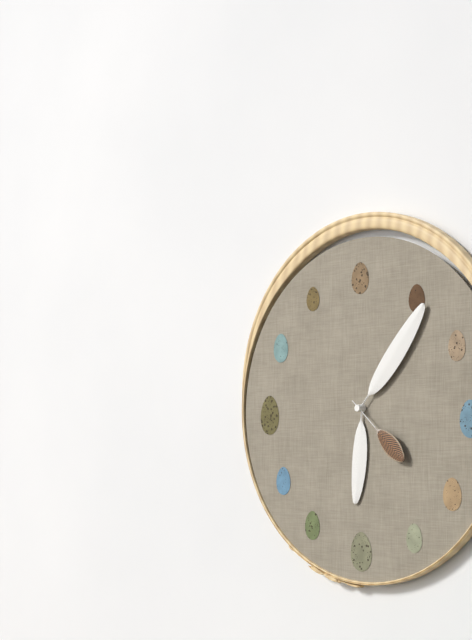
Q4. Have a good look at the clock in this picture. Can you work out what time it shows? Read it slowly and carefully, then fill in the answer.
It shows 6:07:22
